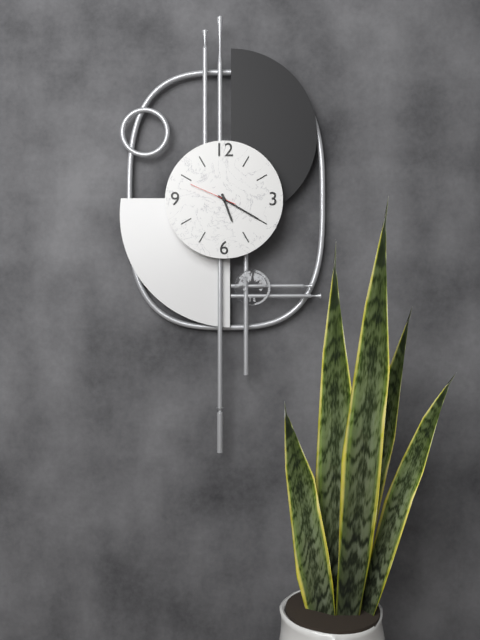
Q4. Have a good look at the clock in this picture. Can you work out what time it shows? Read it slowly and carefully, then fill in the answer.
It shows 5:20
